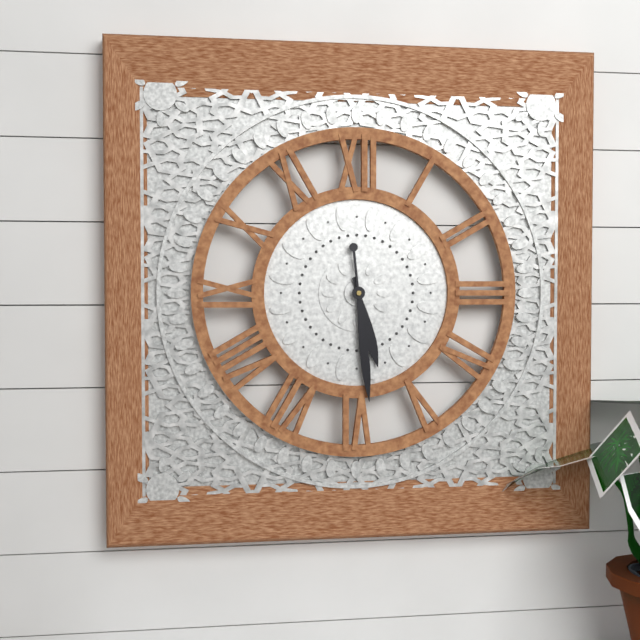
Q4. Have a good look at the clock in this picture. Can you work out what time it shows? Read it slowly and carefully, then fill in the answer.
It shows 5:29
